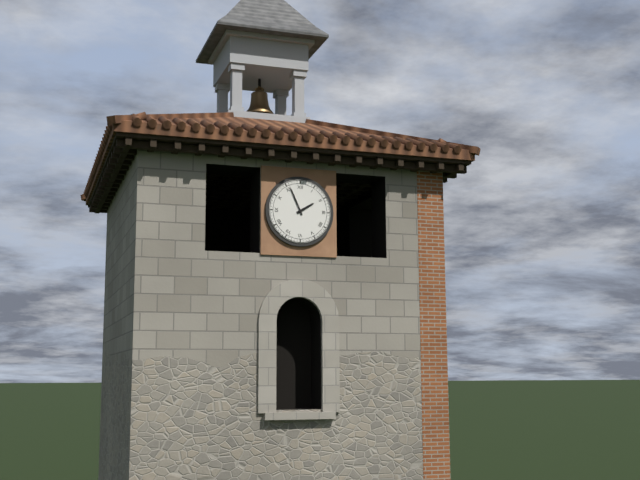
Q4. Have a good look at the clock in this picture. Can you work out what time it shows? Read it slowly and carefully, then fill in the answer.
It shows 1:56
